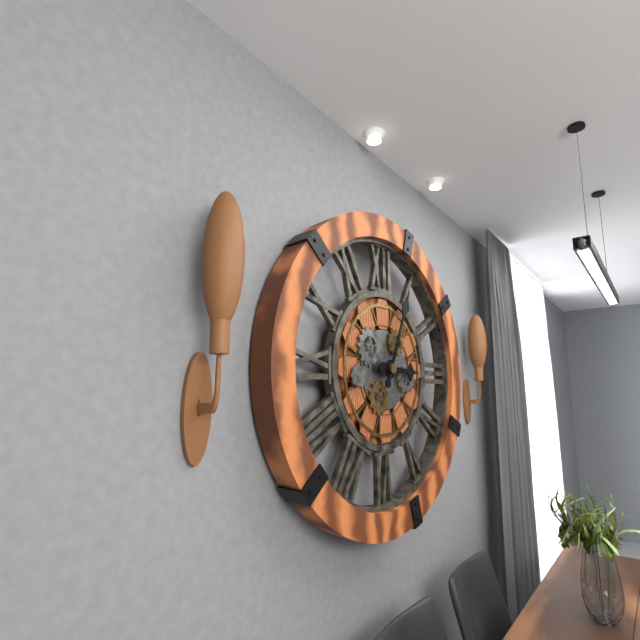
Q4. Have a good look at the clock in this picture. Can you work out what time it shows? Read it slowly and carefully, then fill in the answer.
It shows 3:04
